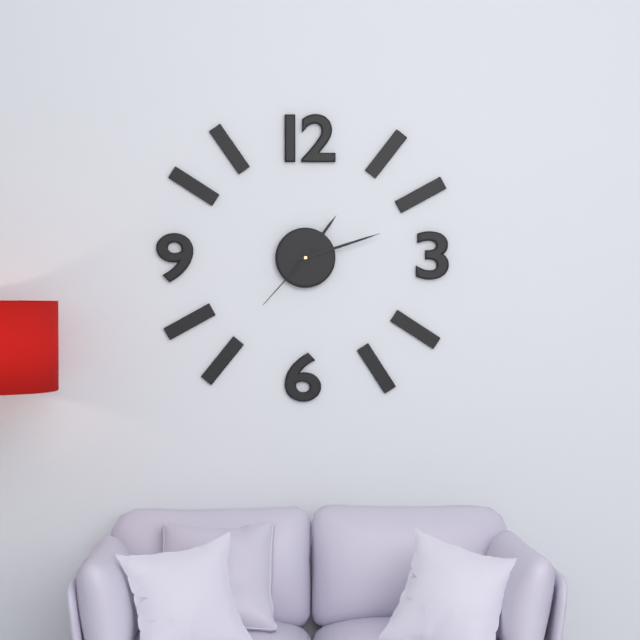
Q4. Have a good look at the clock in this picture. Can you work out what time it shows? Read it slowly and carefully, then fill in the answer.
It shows 1:12:37
